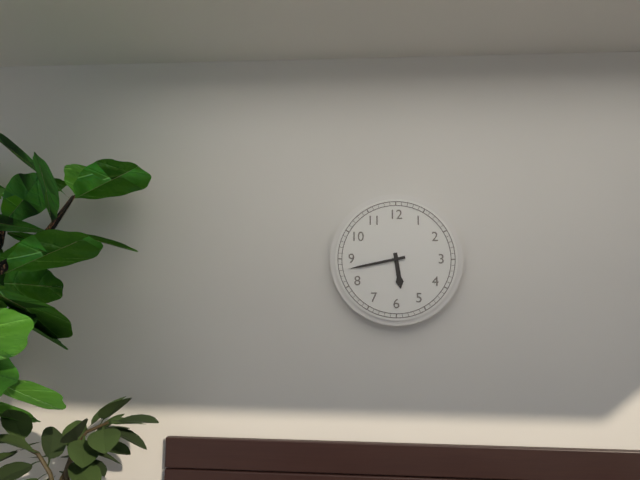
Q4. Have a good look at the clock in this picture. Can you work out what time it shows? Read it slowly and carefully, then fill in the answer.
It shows 5:43
